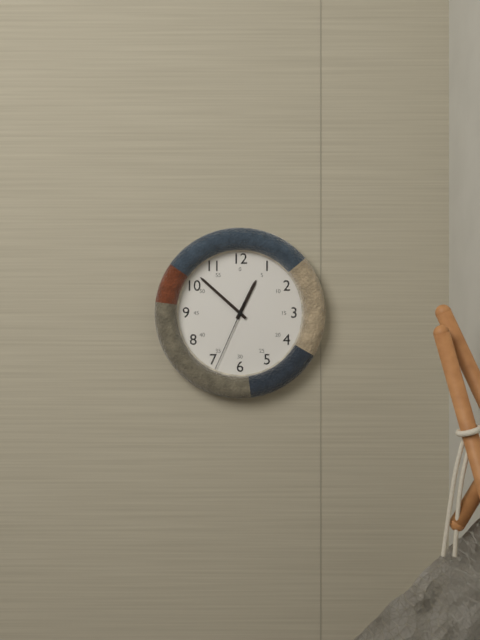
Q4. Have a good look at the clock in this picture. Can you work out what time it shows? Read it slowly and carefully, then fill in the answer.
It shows 12:52:34
